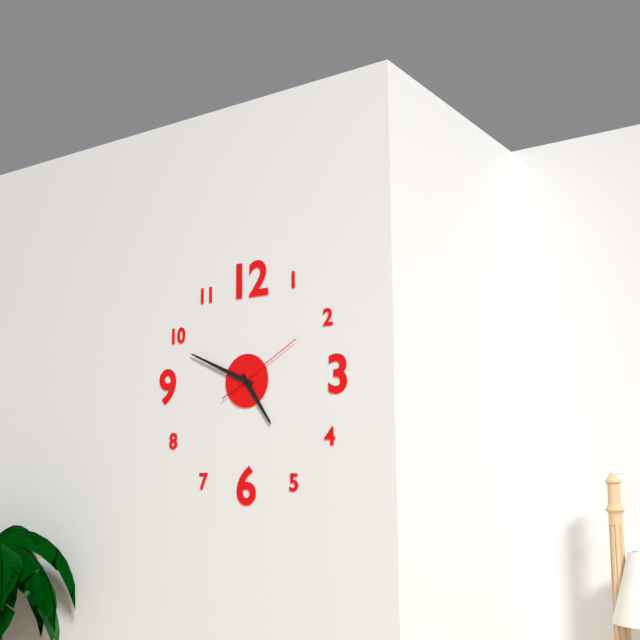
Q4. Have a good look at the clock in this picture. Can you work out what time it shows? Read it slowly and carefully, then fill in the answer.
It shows 4:49:10
